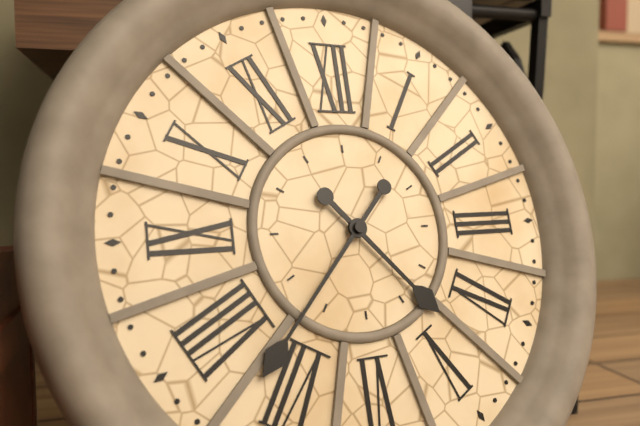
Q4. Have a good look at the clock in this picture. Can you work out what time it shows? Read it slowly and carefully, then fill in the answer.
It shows 4:37
